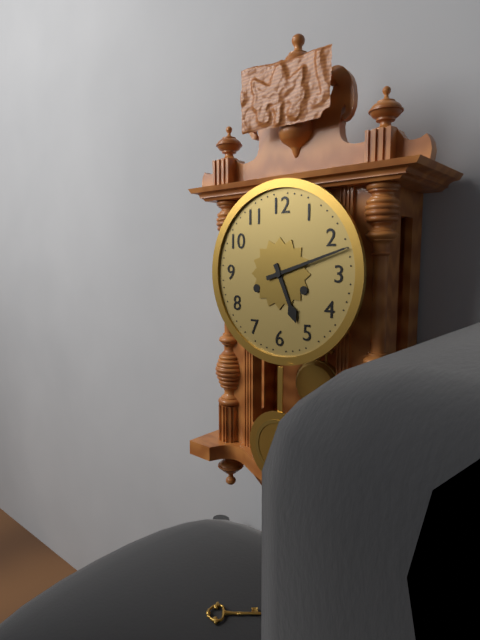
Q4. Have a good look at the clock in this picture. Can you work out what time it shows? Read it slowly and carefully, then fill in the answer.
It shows 5:12
